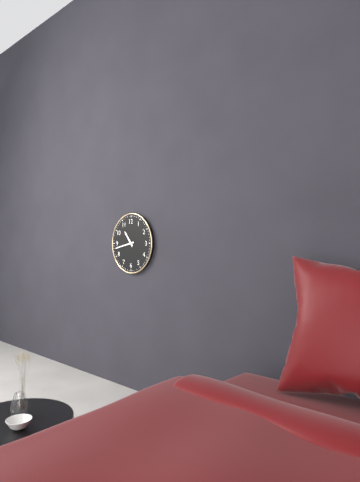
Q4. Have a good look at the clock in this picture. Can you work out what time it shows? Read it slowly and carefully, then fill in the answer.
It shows 10:43
